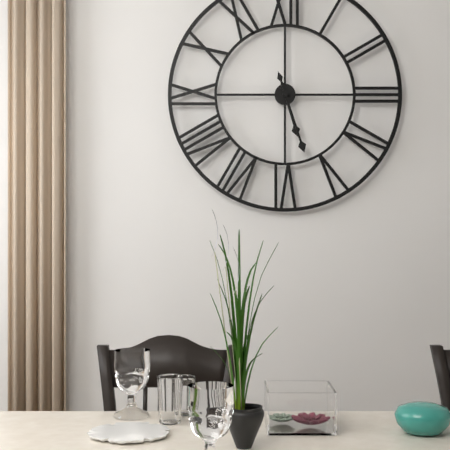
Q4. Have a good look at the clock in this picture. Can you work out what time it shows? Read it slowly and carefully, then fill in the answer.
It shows 5:27
